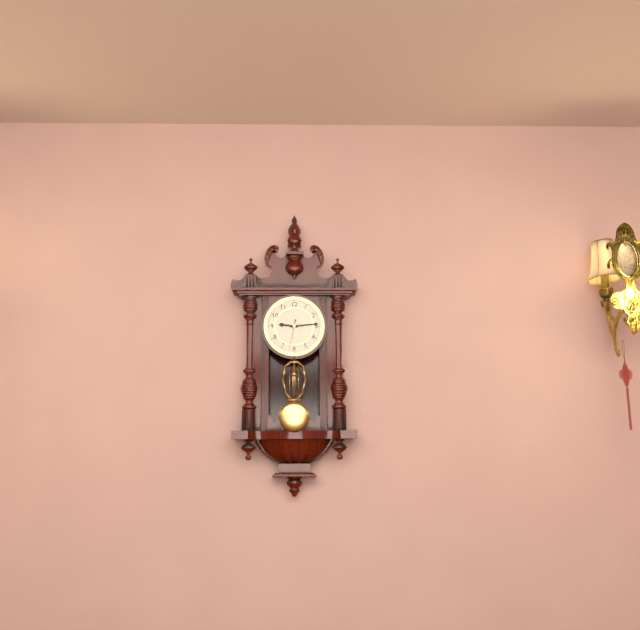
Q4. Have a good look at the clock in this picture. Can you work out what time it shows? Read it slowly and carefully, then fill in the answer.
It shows 9:14
